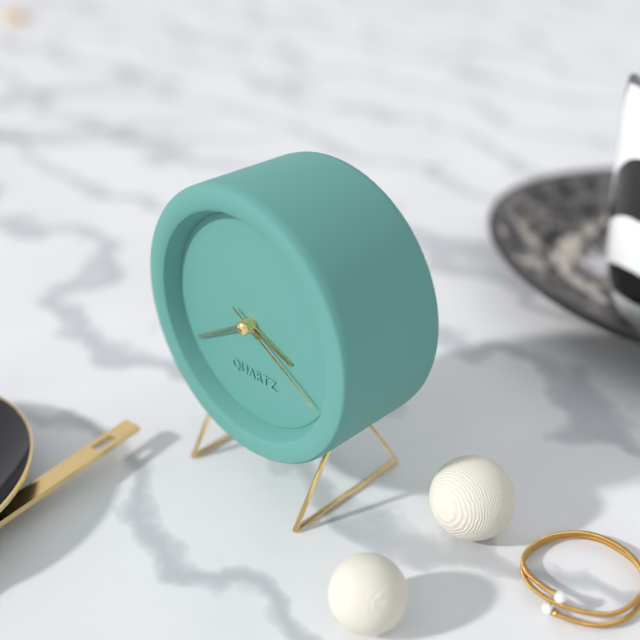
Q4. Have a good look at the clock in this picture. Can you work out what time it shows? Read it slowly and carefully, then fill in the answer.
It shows 3:40:20
